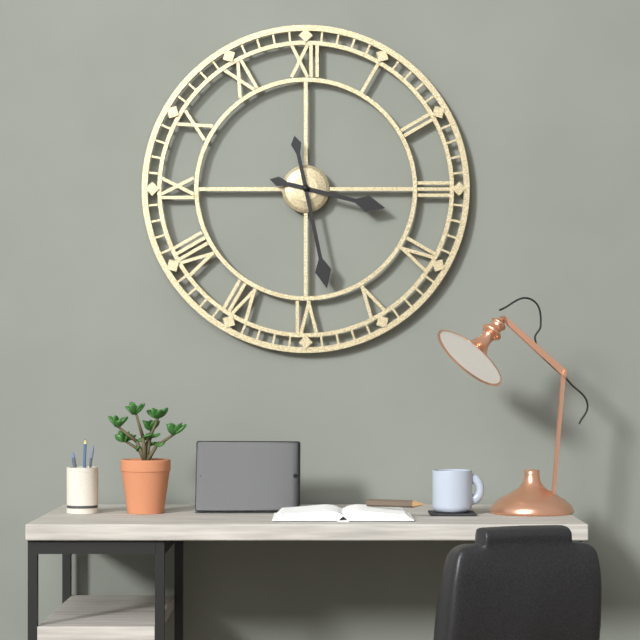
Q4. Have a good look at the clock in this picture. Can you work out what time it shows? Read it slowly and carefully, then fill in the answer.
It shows 3:28
